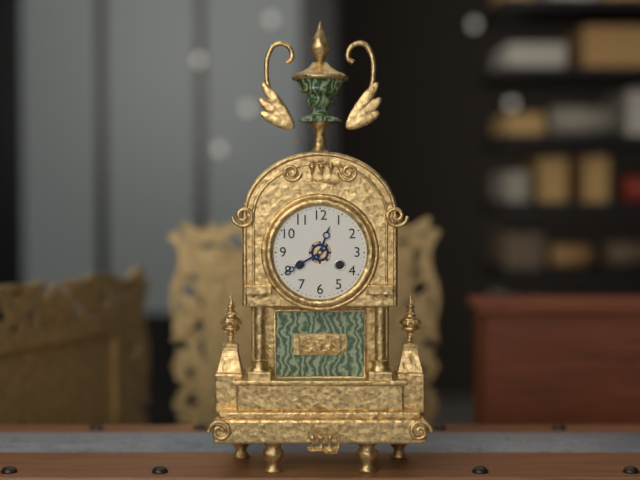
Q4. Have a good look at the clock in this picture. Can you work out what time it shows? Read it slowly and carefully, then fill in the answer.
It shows 12:40
